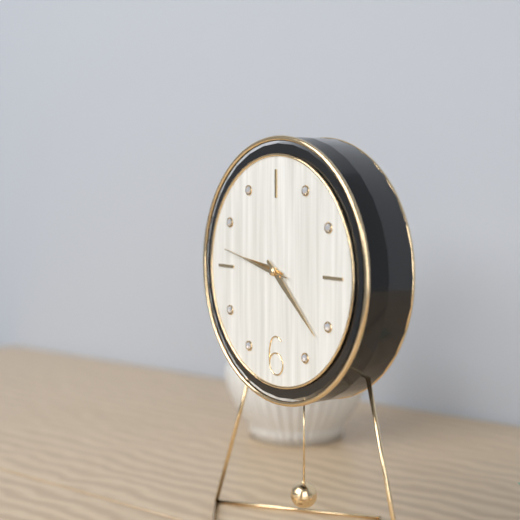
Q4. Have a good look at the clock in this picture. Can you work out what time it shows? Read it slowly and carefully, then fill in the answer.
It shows 9:22:47
